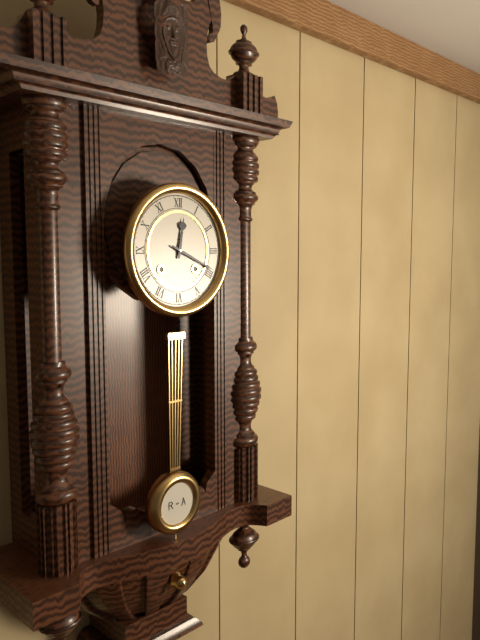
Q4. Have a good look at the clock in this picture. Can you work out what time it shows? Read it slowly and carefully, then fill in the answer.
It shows 12:19
